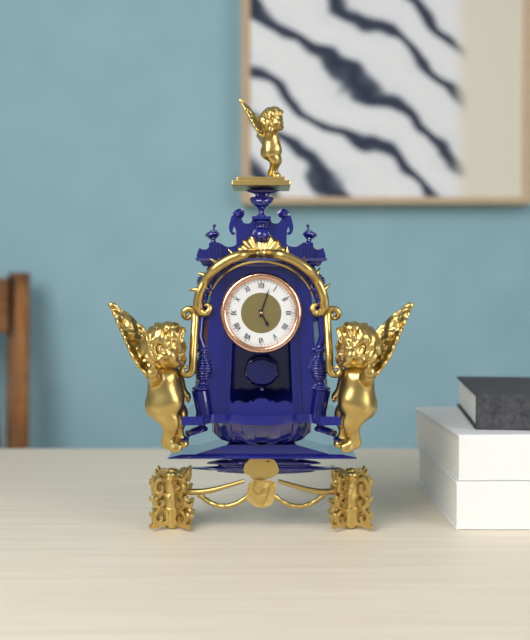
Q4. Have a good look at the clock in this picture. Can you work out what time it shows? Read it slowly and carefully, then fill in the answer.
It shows 5:03
